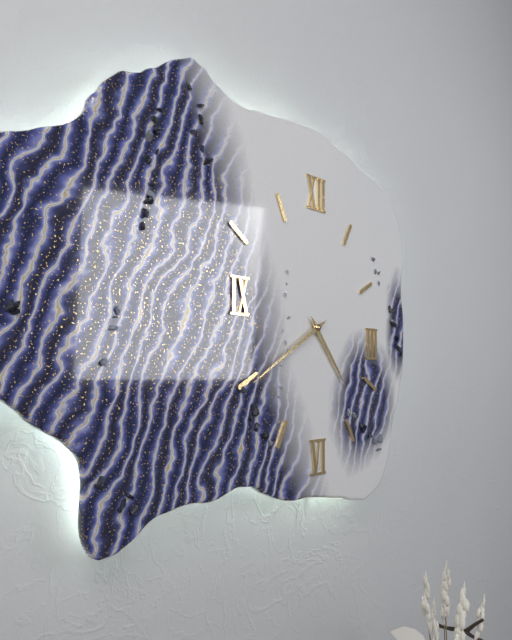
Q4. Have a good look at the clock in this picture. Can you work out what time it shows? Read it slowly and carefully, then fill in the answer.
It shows 4:40
